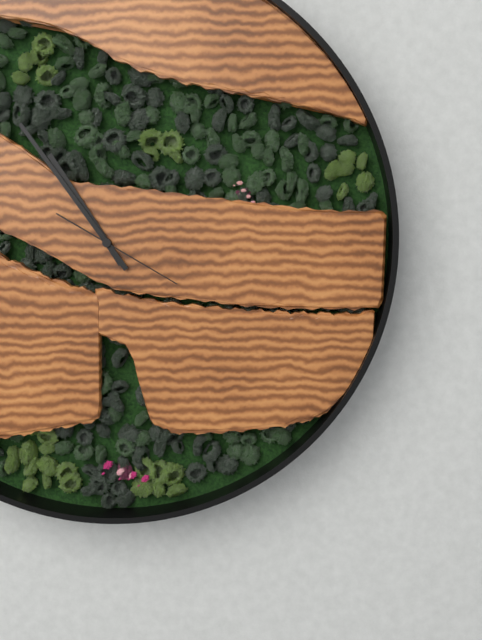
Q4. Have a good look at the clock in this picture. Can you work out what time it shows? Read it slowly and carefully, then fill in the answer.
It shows 10:54:20
